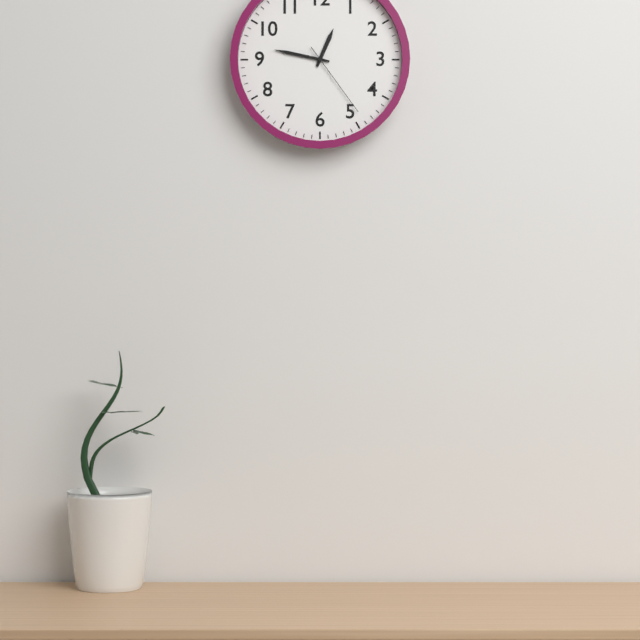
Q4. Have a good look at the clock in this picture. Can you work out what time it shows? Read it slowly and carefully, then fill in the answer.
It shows 12:47:24
